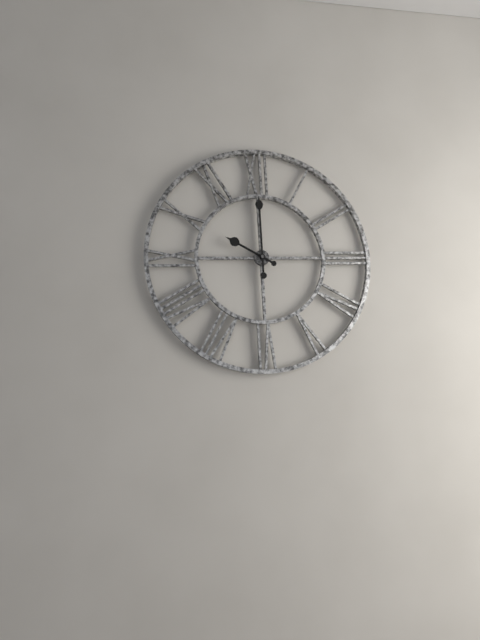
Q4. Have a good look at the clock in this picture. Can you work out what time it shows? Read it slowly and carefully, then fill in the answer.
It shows 10:00
